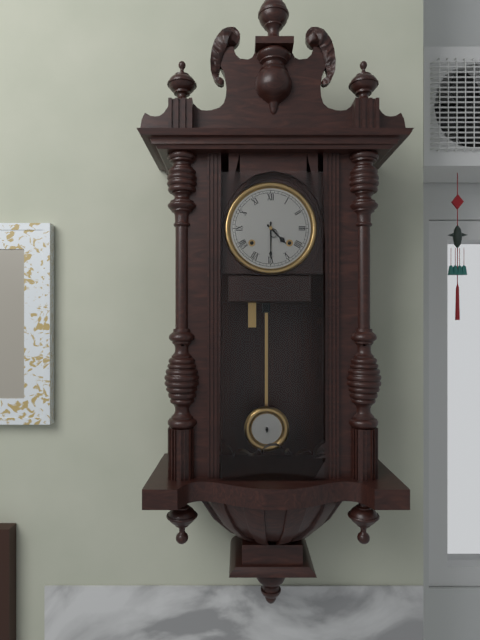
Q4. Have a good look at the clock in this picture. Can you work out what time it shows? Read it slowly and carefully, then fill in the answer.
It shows 4:30
